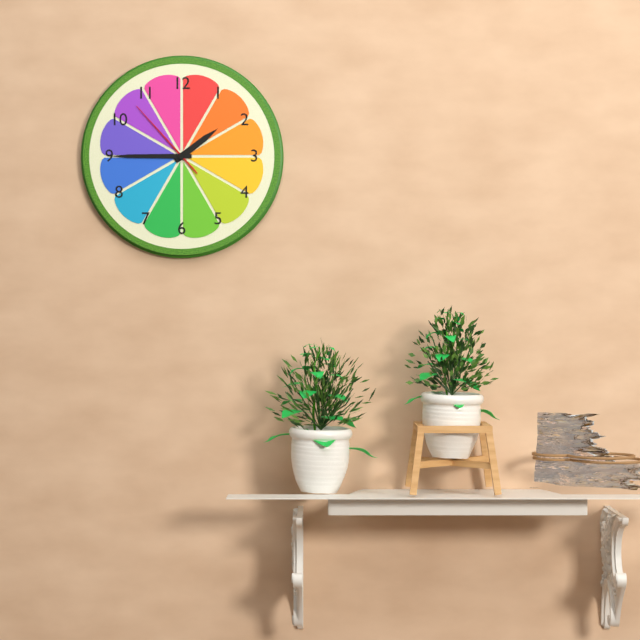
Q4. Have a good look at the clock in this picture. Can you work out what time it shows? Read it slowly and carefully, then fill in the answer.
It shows 1:45:53
